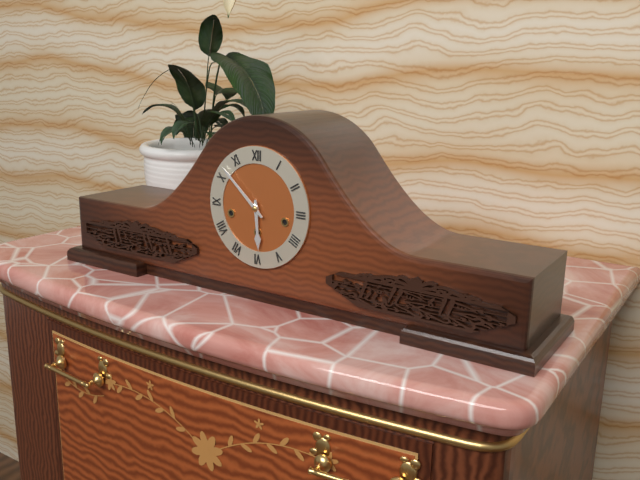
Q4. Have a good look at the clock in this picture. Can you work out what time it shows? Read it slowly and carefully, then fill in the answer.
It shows 5:52
